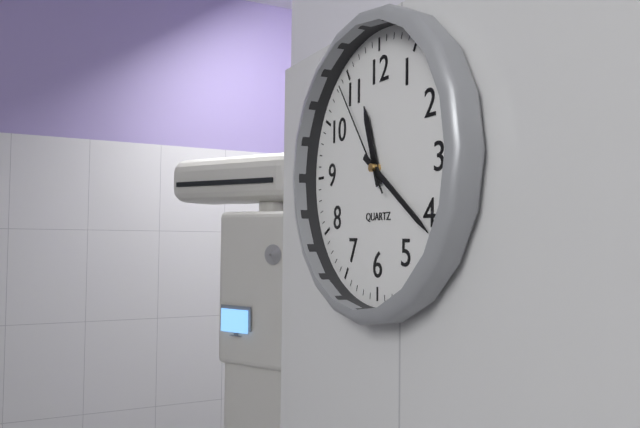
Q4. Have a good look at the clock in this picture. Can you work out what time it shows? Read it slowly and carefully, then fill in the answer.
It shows 11:21:54
